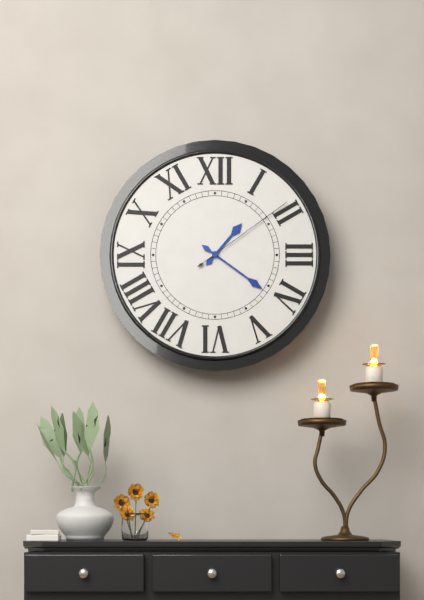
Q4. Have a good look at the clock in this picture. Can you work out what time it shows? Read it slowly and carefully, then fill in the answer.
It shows 1:21:09
